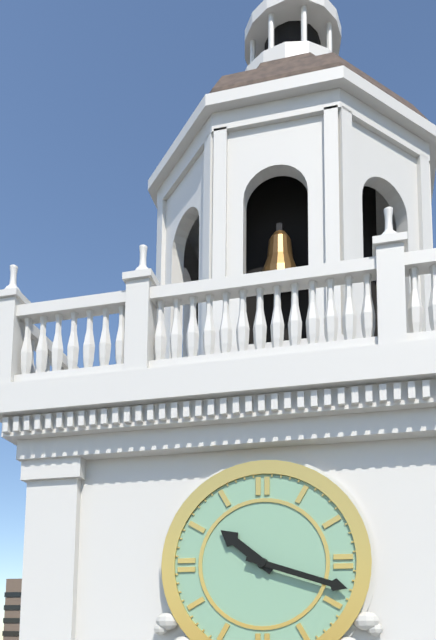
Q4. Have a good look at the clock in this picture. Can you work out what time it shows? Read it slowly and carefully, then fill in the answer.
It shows 10:18
